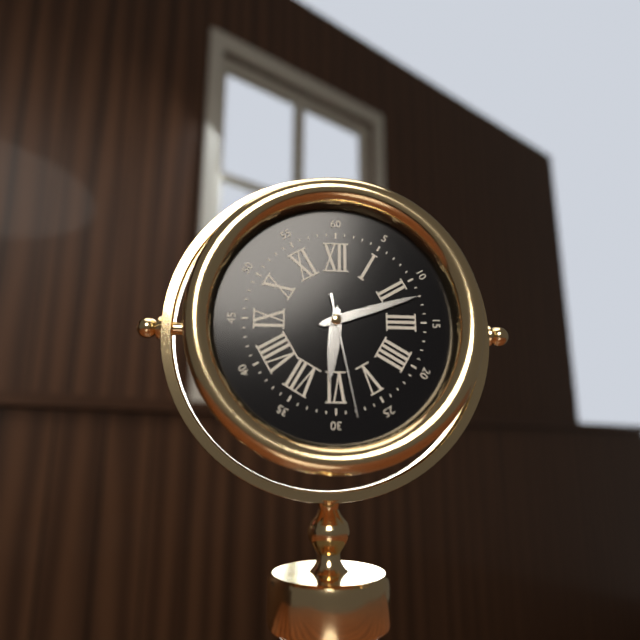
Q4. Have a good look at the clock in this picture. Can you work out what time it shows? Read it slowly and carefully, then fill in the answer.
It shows 6:12:28
